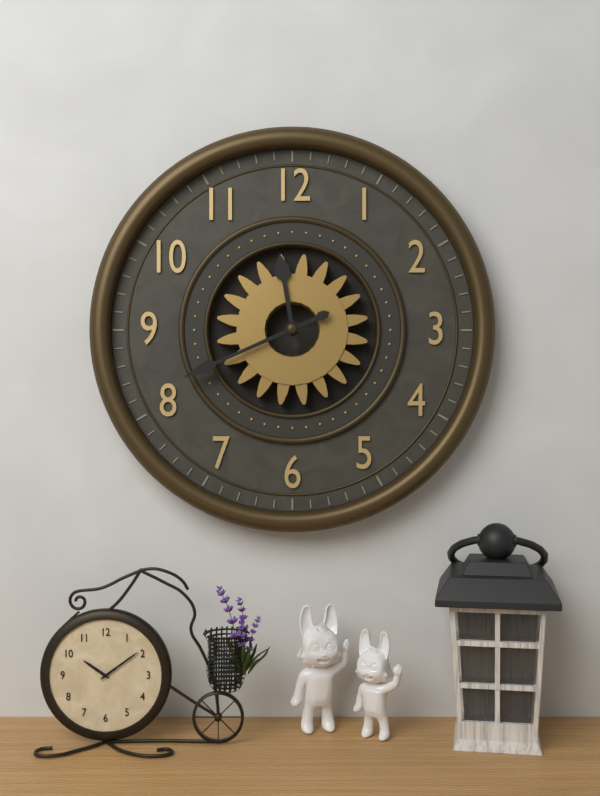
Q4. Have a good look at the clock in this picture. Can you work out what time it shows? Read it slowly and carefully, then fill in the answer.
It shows 11:41
